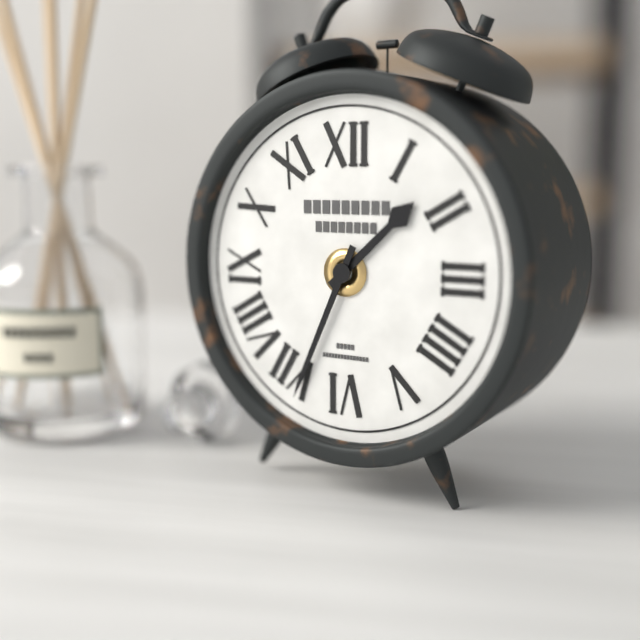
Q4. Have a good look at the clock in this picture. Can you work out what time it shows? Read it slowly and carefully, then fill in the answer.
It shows 1:34
